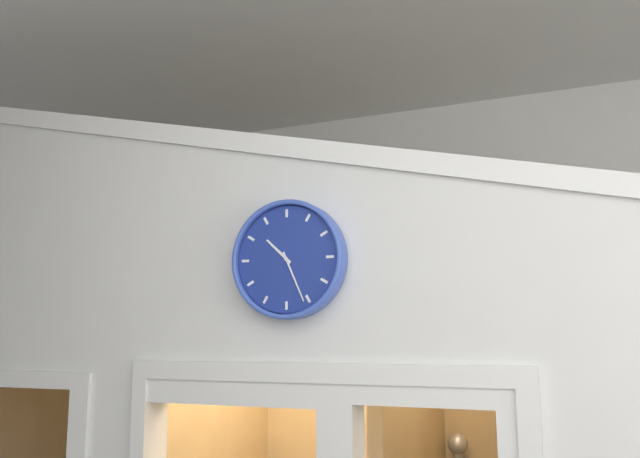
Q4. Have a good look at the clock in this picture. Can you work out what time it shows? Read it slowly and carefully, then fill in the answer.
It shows 10:26
